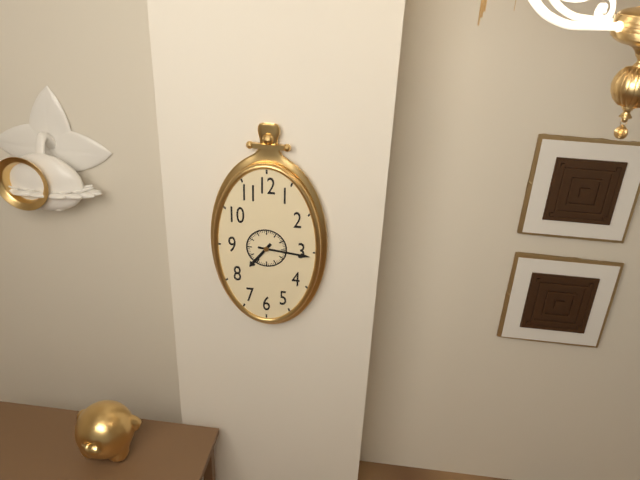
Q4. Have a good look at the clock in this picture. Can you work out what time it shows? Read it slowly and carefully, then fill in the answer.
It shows 7:16
